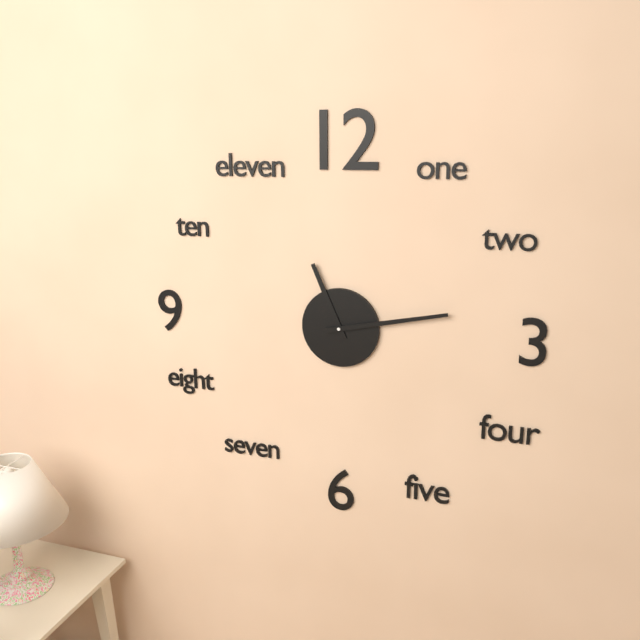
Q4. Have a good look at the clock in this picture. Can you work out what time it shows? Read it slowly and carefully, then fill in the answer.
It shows 11:13
